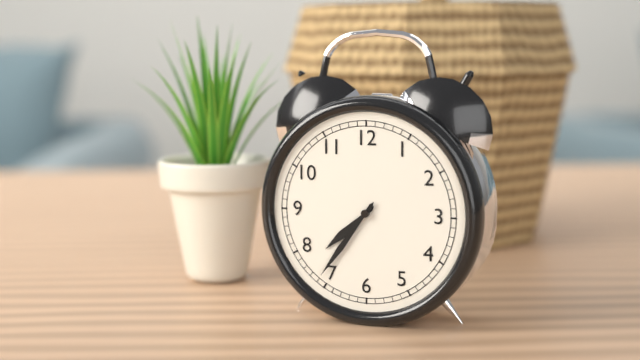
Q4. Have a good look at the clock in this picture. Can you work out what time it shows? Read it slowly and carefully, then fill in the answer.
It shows 7:36
